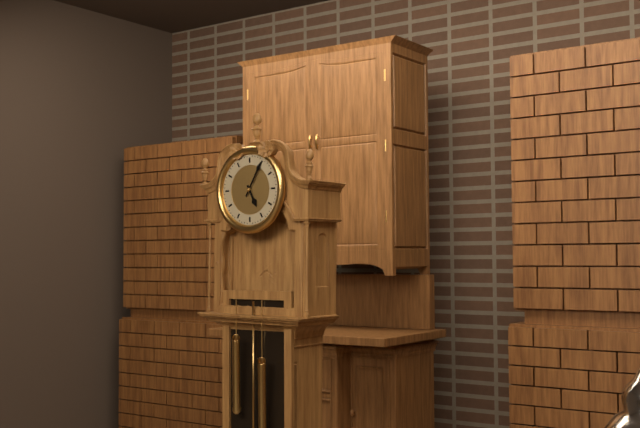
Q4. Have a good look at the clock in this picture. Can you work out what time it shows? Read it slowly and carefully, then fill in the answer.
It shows 5:05
